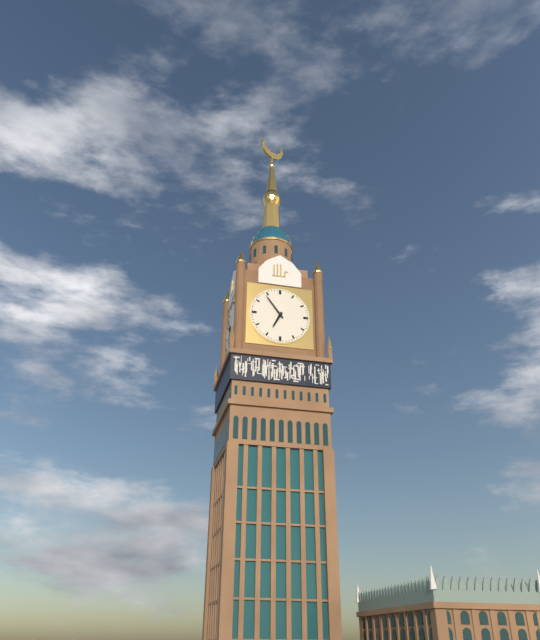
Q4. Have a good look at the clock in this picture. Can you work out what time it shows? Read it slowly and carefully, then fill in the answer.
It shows 6:54
